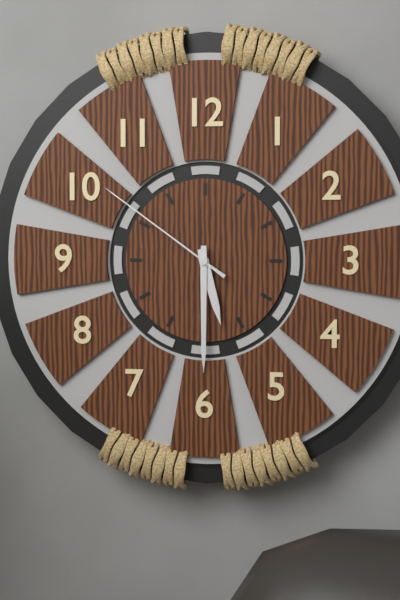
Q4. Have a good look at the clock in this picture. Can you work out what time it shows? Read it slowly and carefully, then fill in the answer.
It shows 5:30:51
